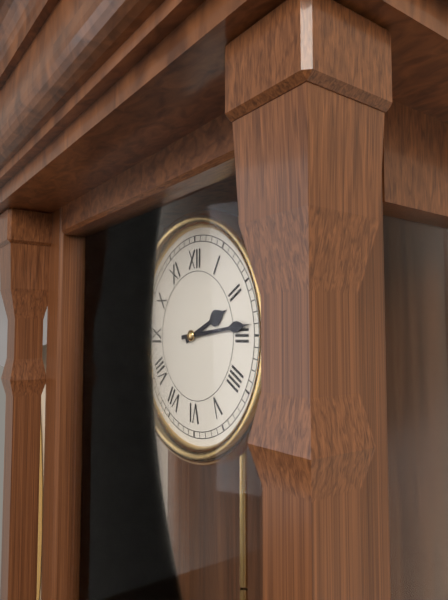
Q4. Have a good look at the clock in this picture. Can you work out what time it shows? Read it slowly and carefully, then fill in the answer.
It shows 2:14
